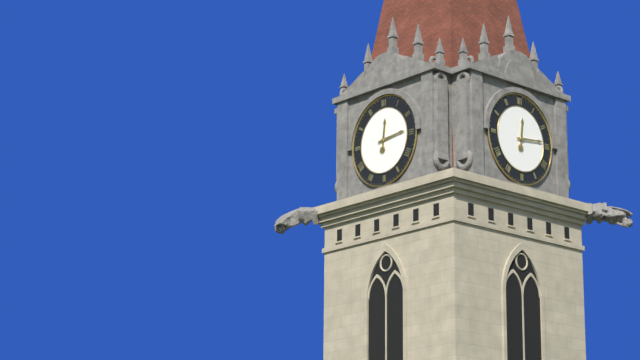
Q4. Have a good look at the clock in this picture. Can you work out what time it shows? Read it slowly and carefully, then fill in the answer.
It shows 12:14
